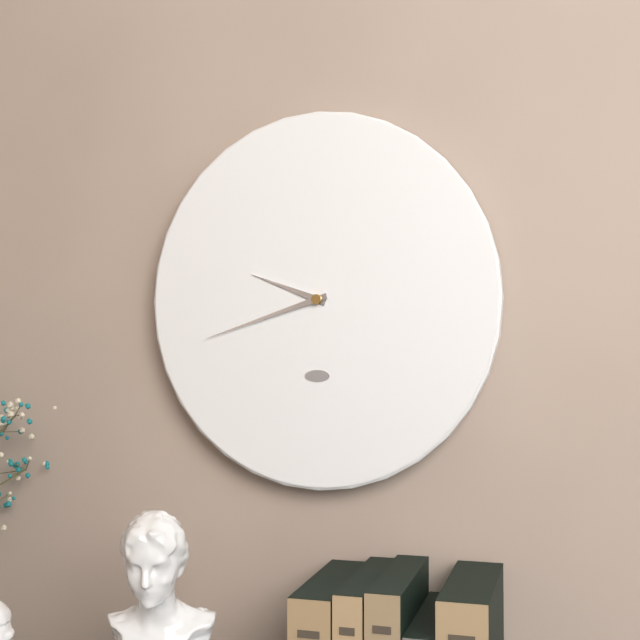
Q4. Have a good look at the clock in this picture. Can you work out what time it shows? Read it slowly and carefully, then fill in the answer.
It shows 9:42
